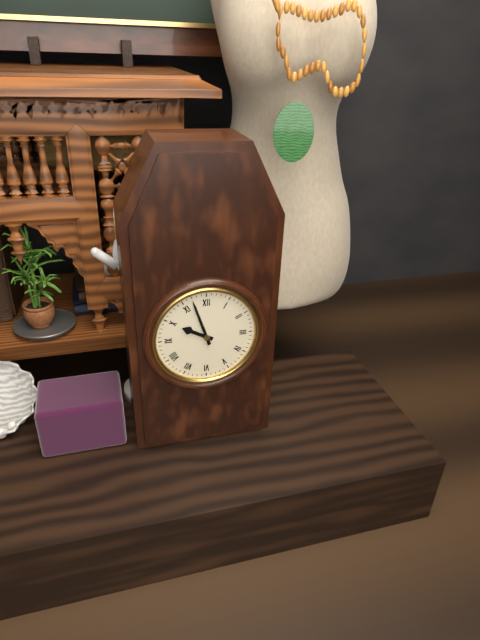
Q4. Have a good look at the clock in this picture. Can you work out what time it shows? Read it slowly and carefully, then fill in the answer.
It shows 9:57
